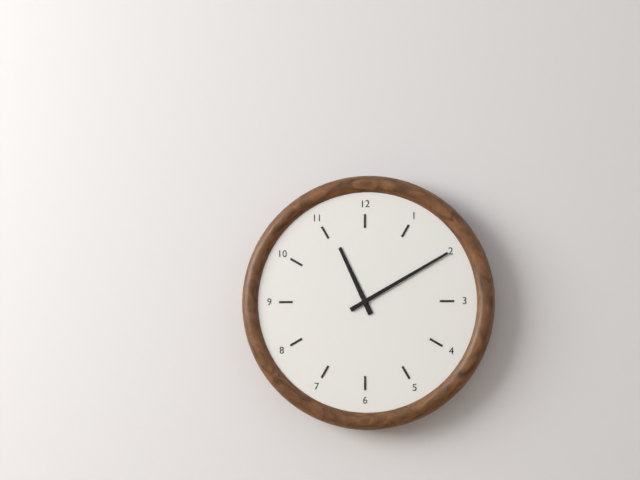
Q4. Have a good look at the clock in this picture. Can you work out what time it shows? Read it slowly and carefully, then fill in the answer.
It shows 11:10
